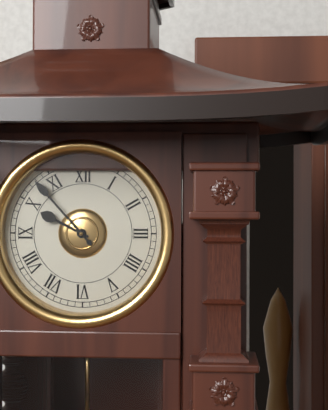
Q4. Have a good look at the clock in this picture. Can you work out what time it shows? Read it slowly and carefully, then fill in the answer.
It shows 9:53
